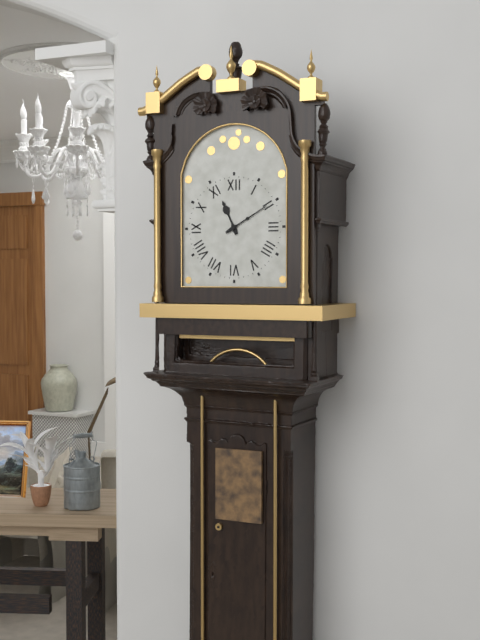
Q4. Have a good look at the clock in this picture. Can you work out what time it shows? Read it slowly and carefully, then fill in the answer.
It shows 11:10
